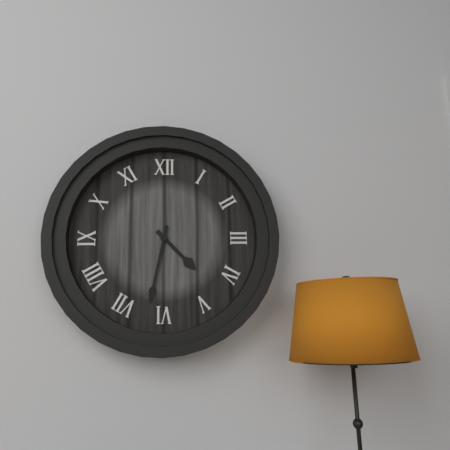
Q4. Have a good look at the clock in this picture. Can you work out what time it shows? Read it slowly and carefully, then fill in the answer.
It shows 4:32
